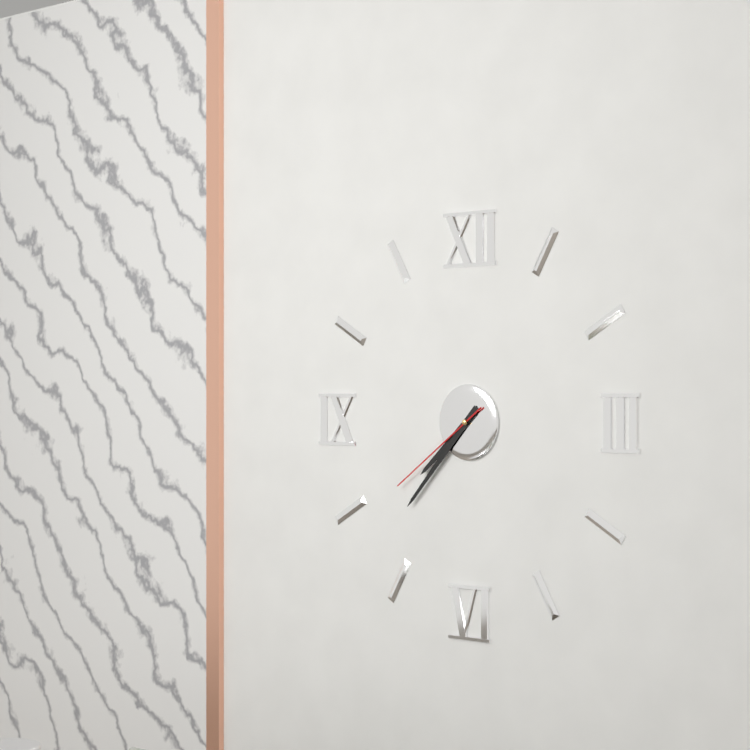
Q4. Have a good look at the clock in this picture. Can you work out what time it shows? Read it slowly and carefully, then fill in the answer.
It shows 7:37:39
